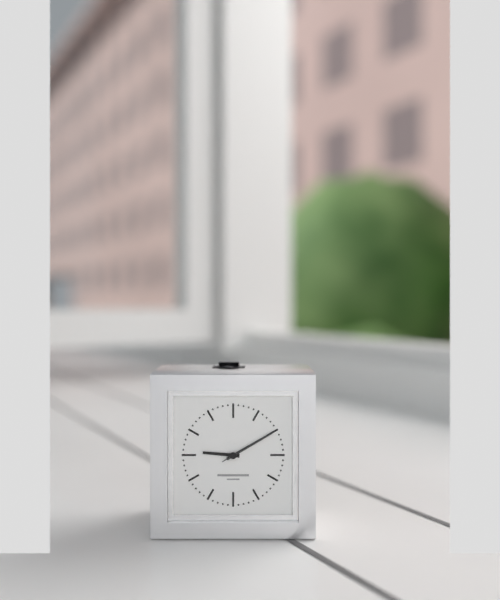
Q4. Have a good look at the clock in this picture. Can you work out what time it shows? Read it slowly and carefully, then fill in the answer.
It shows 9:10:10
